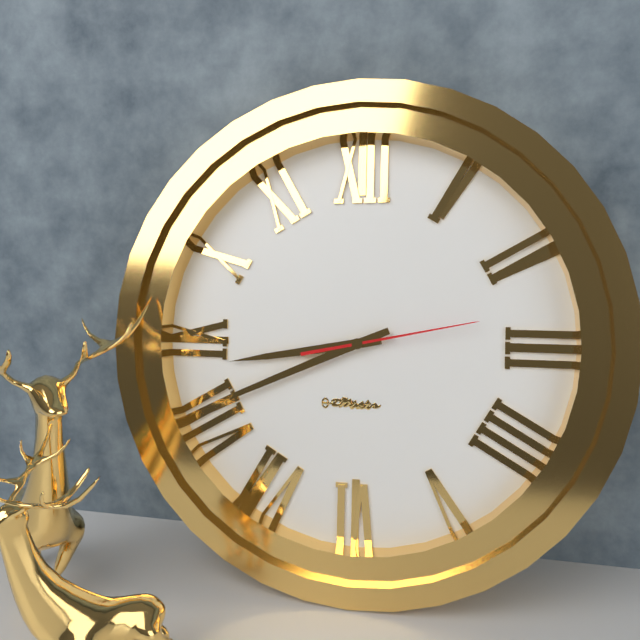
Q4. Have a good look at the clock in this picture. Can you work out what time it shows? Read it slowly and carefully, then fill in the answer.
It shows 8:41:13
